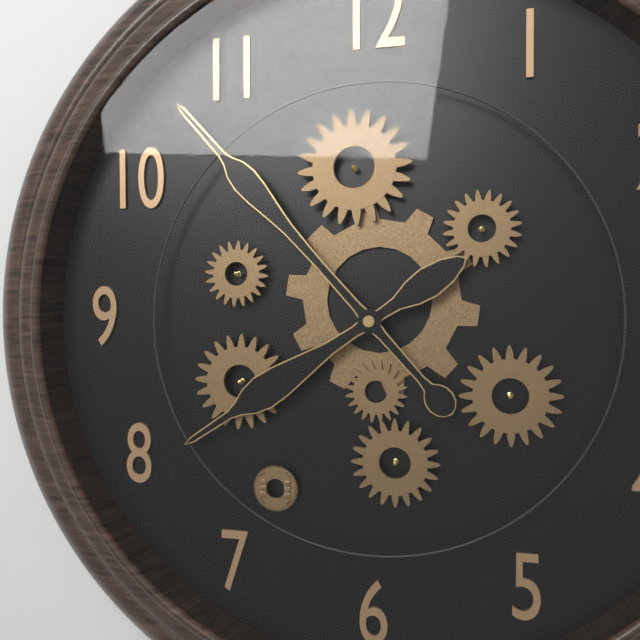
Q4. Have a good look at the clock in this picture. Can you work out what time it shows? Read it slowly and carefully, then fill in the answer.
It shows 7:53
